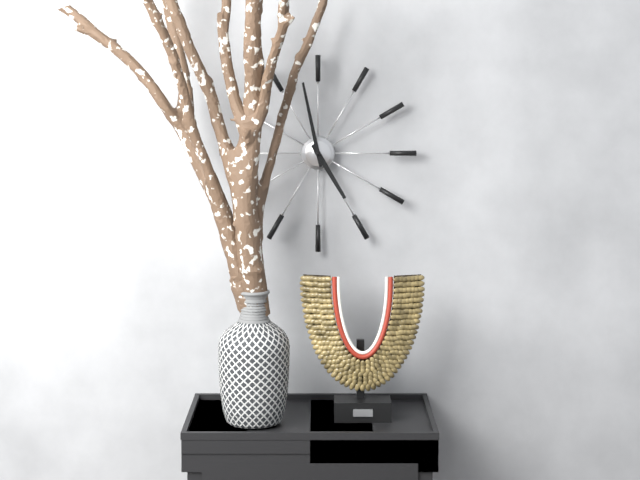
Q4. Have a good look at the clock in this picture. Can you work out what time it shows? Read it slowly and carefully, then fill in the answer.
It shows 4:58
